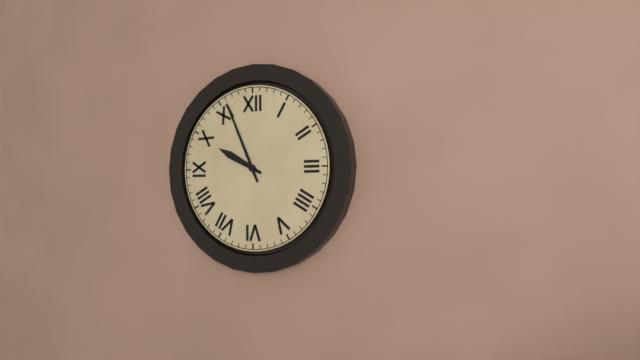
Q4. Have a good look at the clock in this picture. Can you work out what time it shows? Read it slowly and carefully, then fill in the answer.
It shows 9:56
